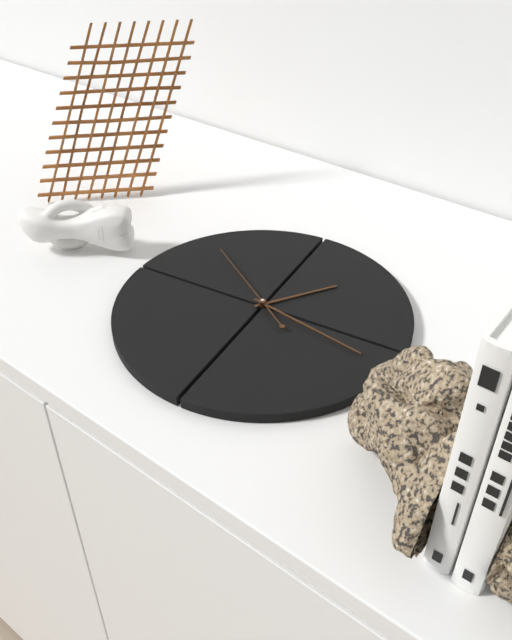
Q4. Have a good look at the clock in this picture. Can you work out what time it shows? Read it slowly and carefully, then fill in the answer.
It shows 1:17:51
